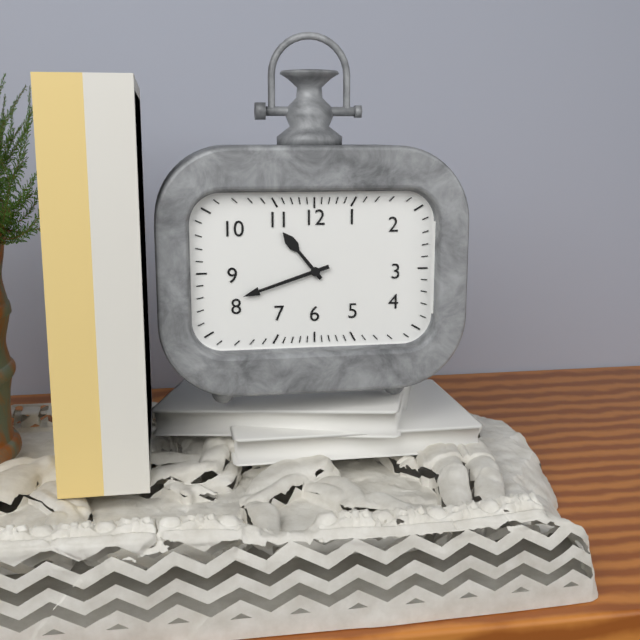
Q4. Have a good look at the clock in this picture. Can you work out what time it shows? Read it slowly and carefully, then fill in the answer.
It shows 10:42
